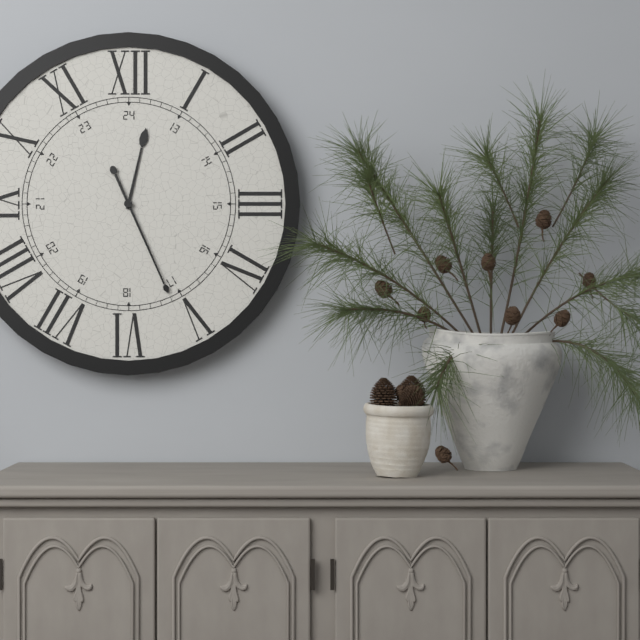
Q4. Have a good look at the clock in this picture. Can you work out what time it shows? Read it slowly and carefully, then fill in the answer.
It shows 12:26
